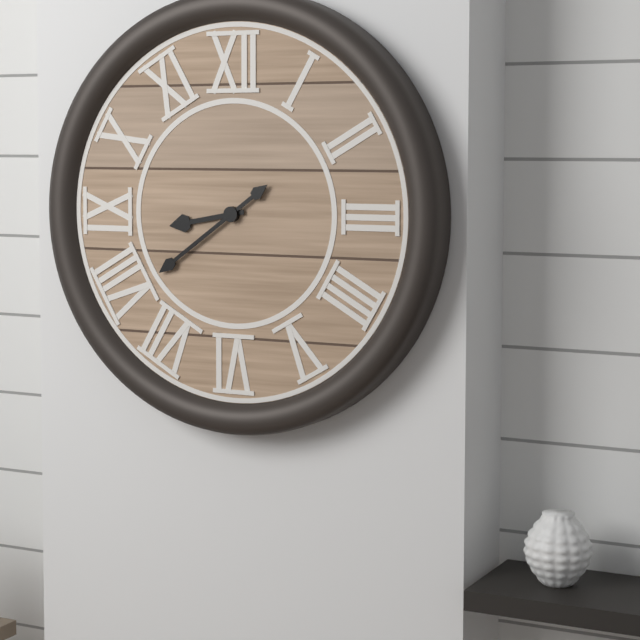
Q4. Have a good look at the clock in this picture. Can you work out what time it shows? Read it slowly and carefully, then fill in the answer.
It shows 8:39
